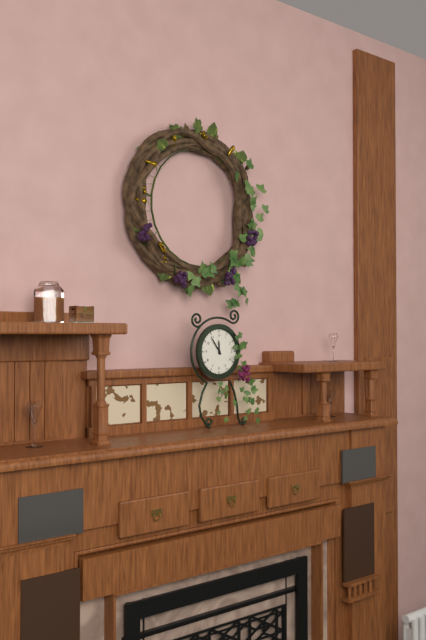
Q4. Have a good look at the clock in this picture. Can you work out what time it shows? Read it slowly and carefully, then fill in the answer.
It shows 11:54
